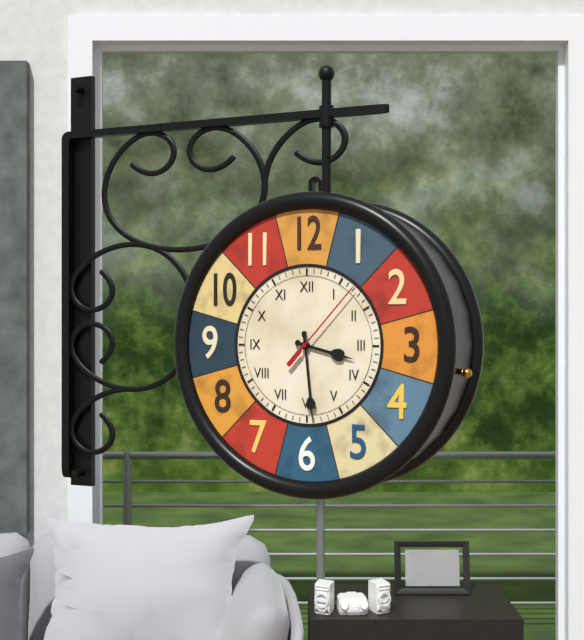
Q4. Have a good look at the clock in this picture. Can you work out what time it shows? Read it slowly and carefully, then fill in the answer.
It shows 3:29:07
